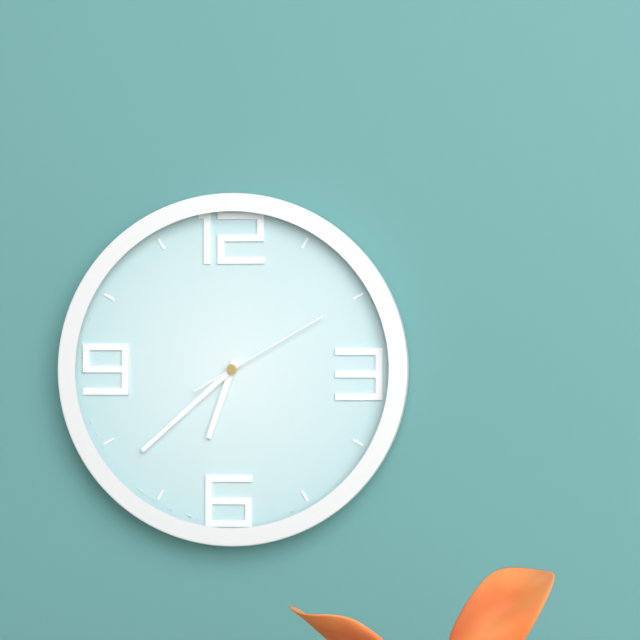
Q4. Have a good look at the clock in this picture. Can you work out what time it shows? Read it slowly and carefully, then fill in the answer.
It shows 6:38:10
